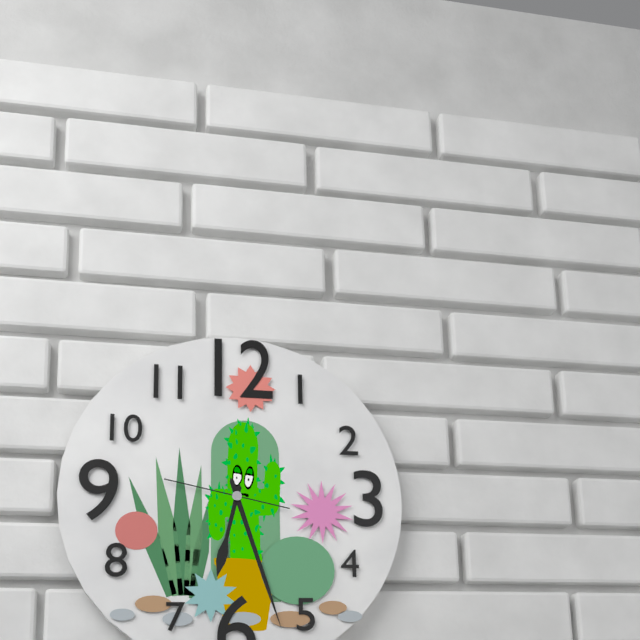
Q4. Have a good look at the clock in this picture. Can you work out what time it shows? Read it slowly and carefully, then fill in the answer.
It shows 6:27:47
